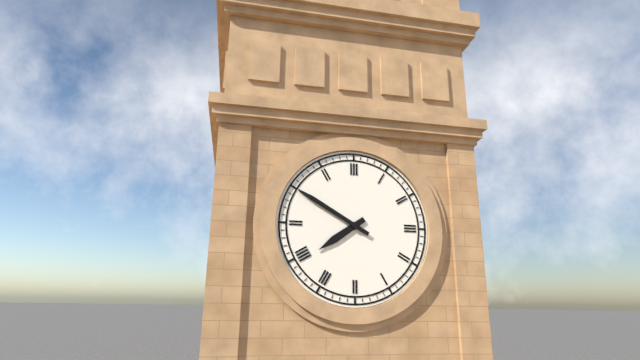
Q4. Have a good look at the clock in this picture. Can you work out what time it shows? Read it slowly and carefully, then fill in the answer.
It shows 7:50
